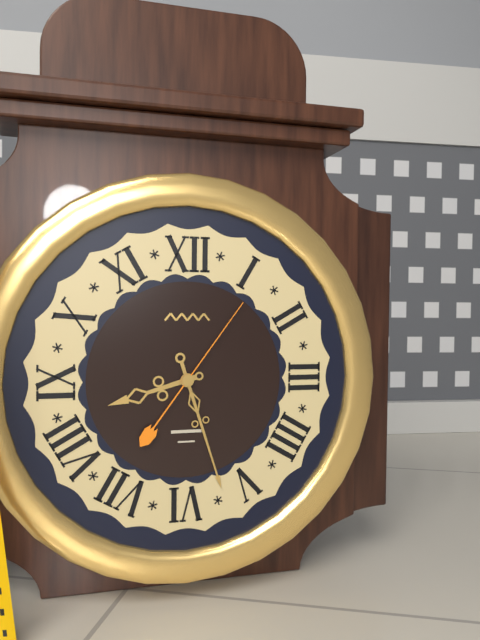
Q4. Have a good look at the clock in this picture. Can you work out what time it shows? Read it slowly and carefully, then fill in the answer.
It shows 8:27:06
